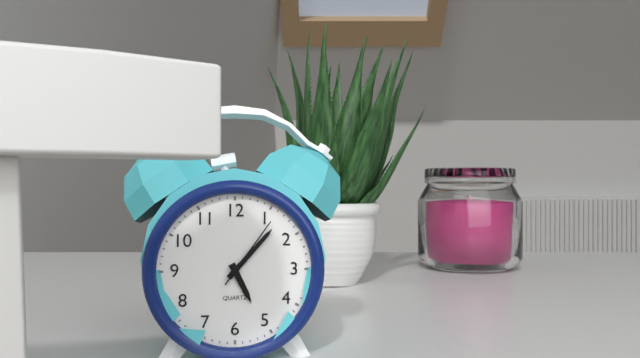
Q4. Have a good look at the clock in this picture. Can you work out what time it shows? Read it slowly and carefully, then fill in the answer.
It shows 5:07:06
